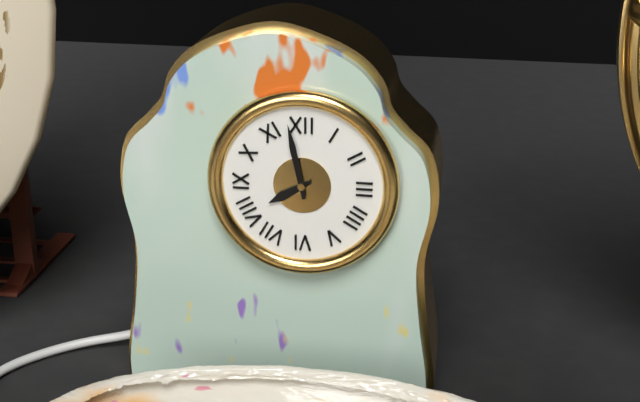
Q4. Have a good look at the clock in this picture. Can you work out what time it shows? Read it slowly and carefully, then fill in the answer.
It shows 7:58
